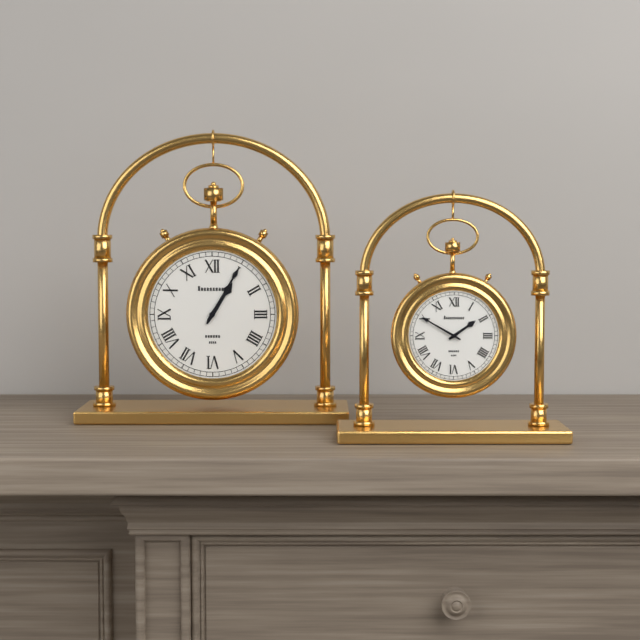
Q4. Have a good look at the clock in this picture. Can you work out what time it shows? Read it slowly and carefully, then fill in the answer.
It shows 1:05
